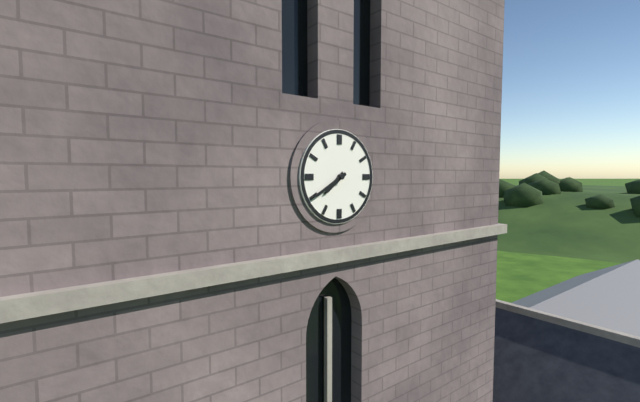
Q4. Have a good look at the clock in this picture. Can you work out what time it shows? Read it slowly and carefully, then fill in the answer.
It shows 7:40
